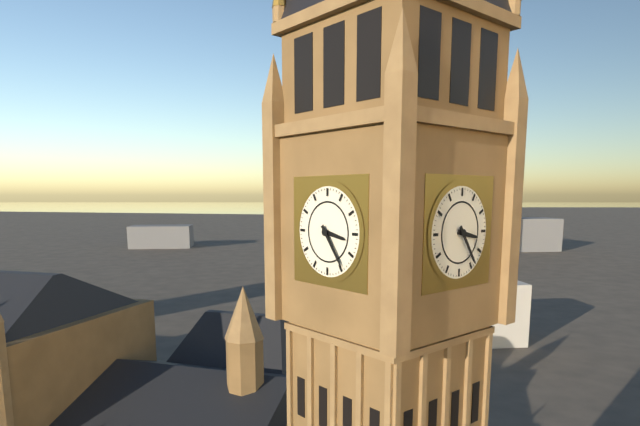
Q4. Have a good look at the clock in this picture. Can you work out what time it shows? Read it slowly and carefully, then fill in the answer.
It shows 3:24
